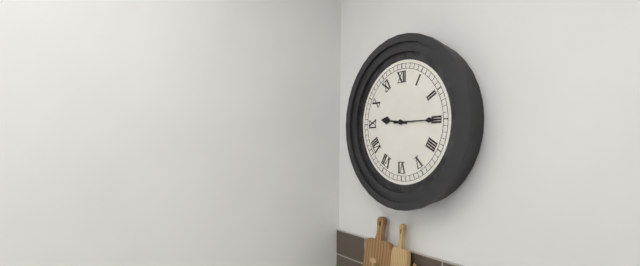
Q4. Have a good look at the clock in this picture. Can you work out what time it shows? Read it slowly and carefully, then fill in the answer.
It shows 9:15
